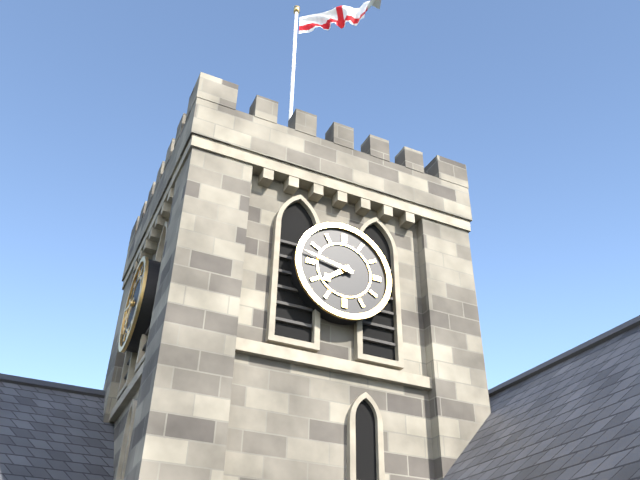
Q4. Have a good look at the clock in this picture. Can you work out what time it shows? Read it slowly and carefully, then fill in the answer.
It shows 7:47
